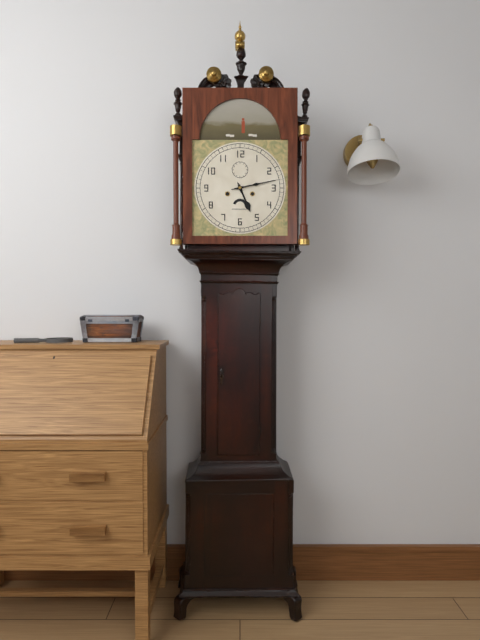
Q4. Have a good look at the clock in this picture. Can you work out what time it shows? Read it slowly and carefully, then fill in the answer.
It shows 5:13
